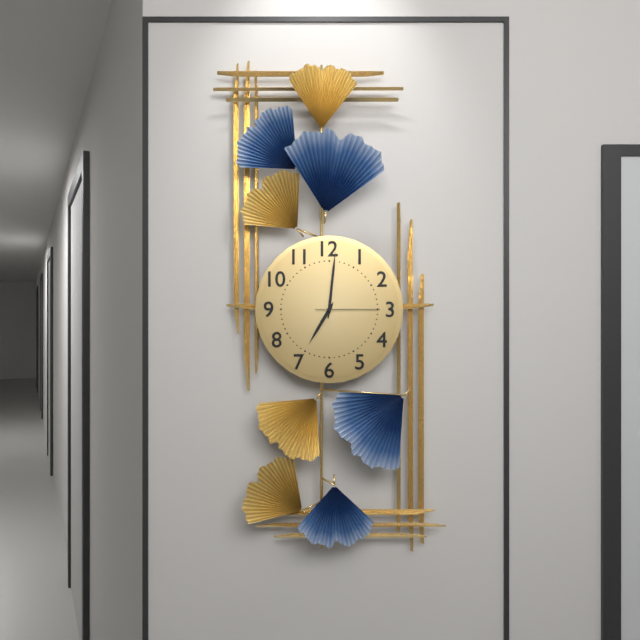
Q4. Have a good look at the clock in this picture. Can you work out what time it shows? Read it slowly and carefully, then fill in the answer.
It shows 7:01:15
